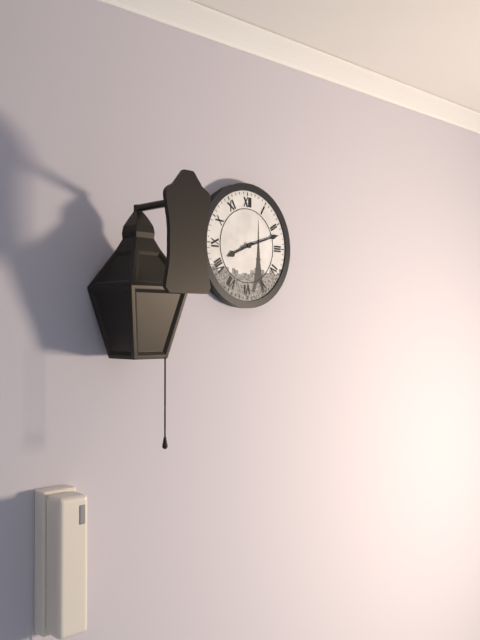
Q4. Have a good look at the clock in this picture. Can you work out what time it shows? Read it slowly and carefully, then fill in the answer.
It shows 8:12
